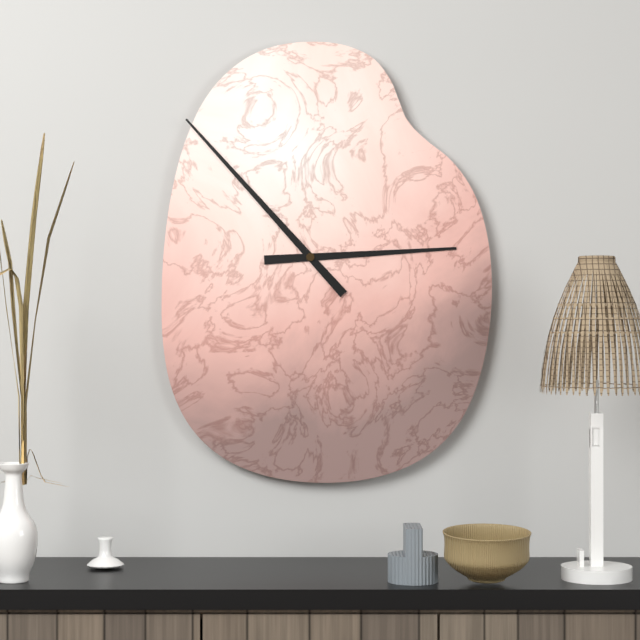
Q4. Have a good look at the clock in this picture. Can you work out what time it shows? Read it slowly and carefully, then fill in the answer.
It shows 2:53
